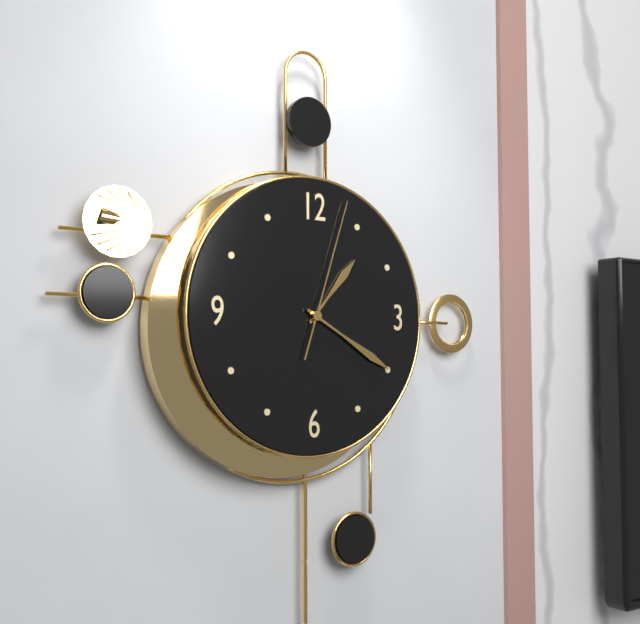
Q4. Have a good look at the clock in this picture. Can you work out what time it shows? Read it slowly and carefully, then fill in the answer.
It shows 1:20:03
